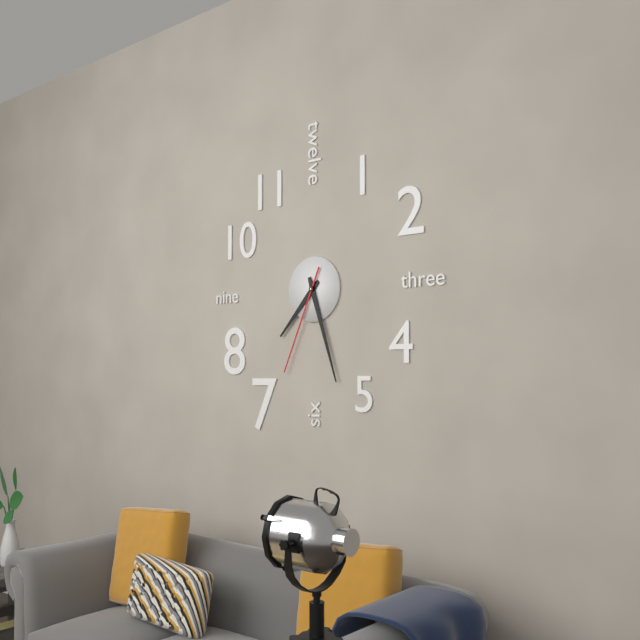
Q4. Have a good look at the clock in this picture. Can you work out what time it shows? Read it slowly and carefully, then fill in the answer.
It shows 7:27:34
